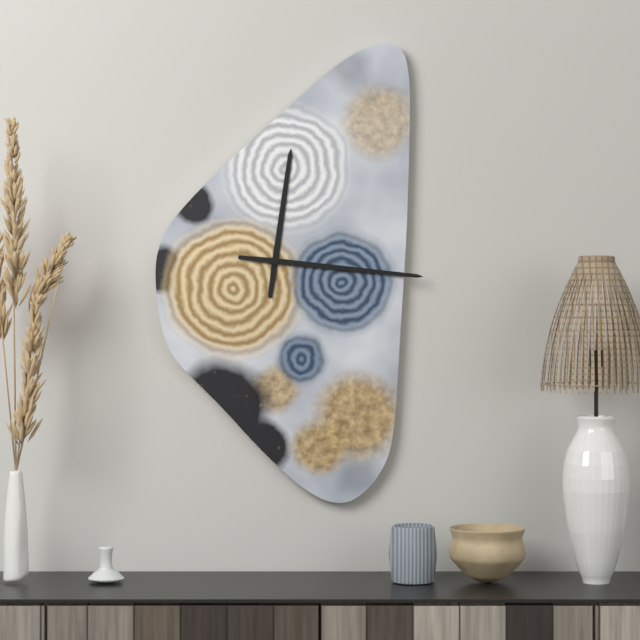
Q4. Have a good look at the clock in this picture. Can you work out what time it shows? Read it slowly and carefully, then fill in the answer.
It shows 12:16
